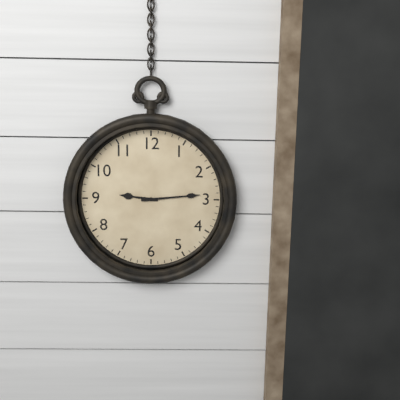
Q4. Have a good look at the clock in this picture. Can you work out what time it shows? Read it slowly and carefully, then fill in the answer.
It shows 9:14
